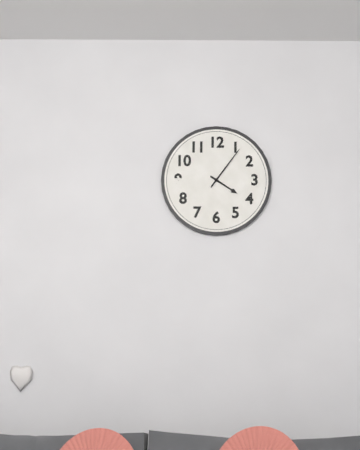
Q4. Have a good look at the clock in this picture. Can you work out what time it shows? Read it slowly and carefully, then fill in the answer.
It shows 4:06
